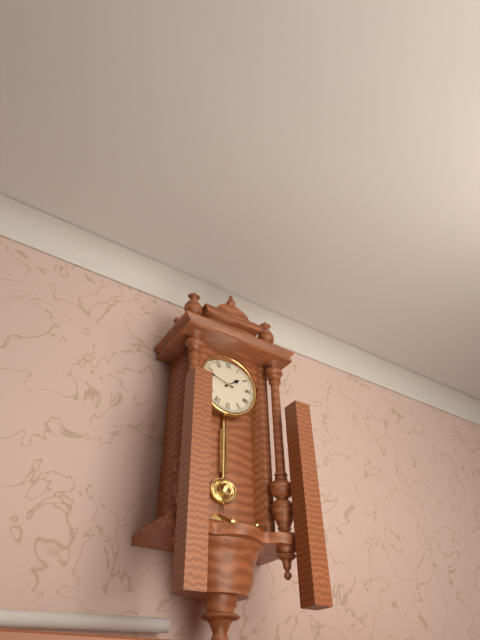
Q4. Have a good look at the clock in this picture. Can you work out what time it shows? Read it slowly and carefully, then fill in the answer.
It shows 1:48
